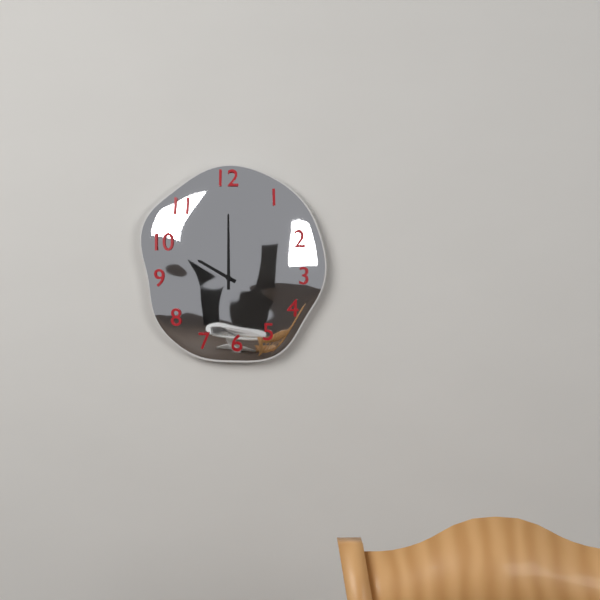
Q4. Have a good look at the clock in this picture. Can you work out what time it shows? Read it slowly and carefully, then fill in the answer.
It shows 10:00
